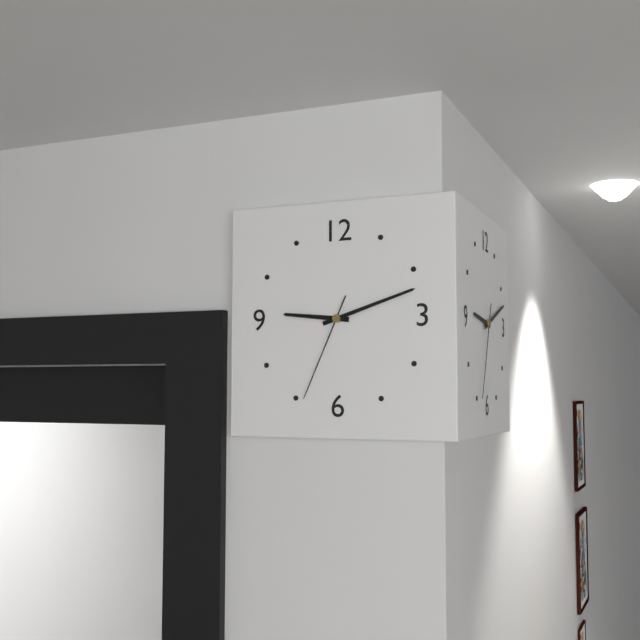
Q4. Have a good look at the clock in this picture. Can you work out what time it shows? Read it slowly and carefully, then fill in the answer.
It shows 9:12:34
